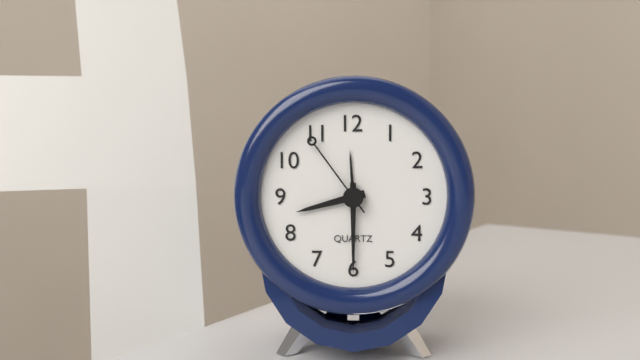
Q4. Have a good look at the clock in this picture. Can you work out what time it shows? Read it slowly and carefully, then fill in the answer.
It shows 8:30:54
